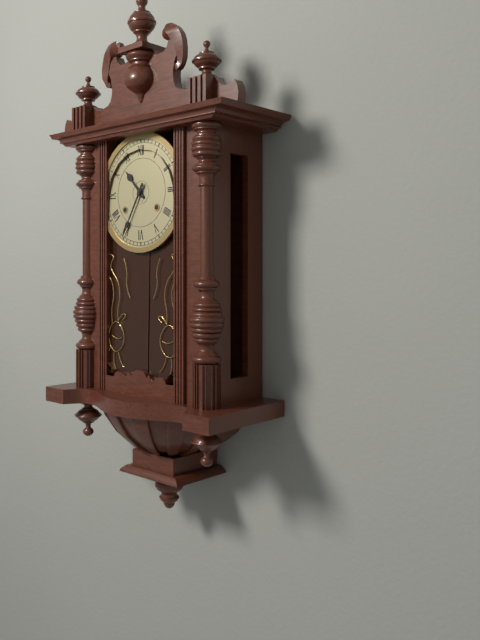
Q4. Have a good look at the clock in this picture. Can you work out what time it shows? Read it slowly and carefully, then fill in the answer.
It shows 10:35
